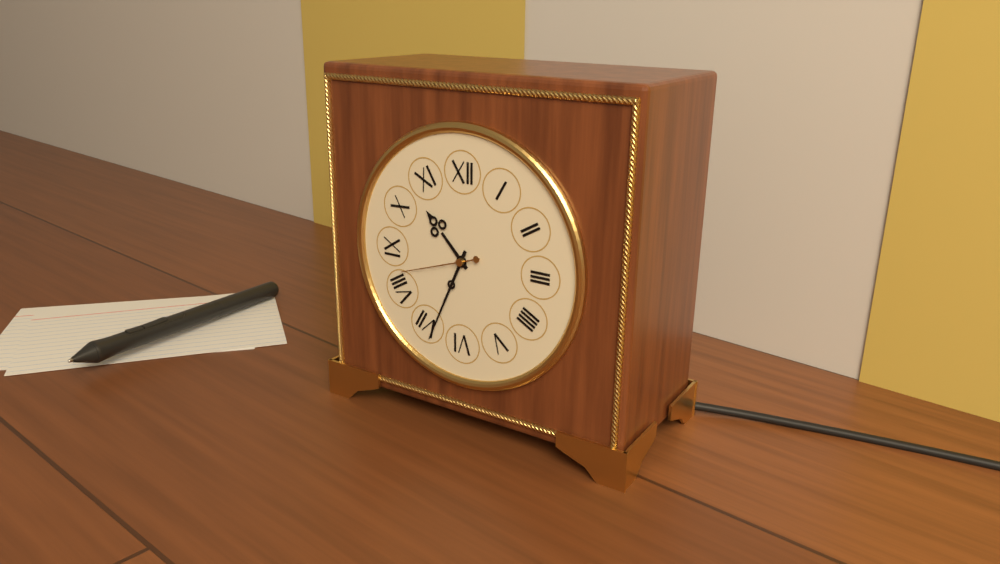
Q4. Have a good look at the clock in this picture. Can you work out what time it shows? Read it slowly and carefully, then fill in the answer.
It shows 10:34:42
